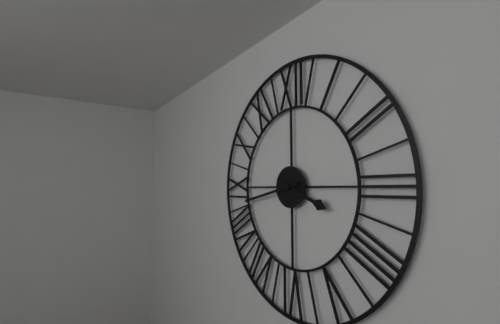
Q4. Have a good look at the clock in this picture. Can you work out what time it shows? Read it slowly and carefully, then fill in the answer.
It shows 3:43
